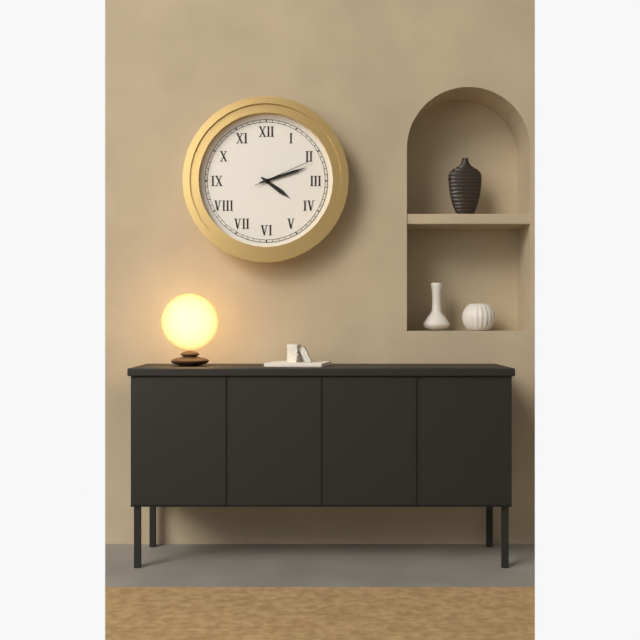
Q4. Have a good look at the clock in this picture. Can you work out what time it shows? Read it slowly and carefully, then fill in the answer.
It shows 4:12:11
